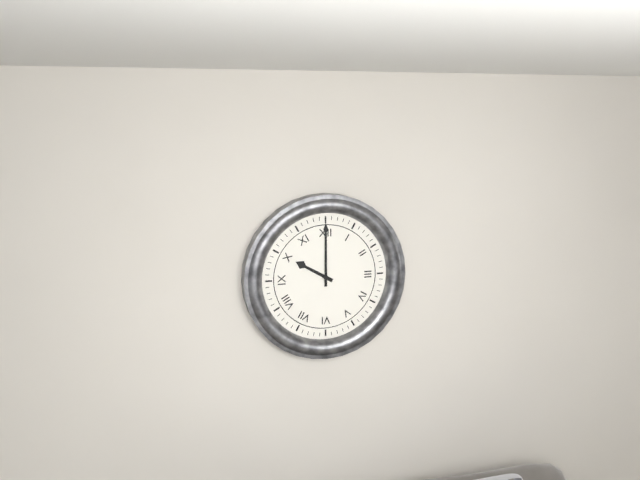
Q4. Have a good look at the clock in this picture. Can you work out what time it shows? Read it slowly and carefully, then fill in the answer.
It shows 10:00
